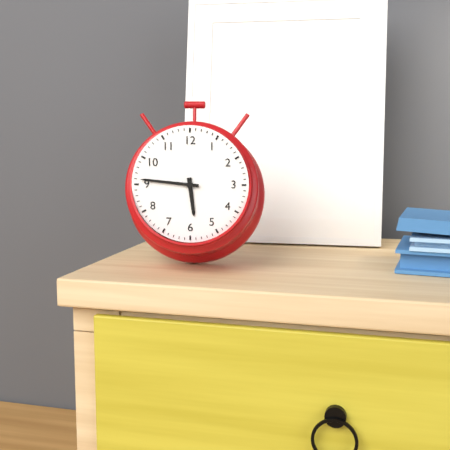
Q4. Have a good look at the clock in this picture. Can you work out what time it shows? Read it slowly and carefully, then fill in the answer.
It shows 5:46
